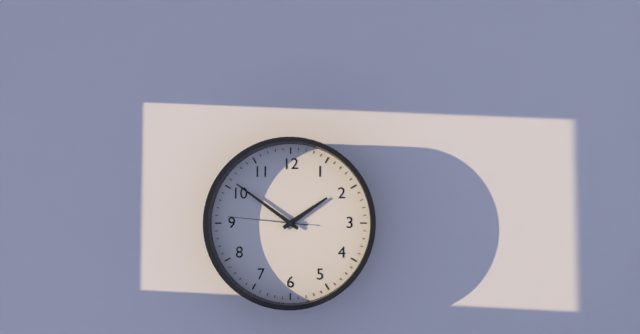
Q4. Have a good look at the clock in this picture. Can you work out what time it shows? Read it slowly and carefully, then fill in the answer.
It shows 1:51:46
